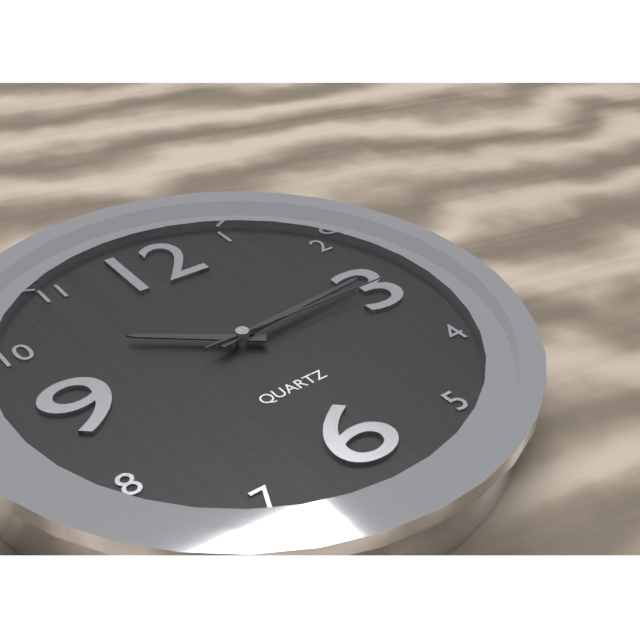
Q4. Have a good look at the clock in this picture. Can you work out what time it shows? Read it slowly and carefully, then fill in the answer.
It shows 10:14:15
